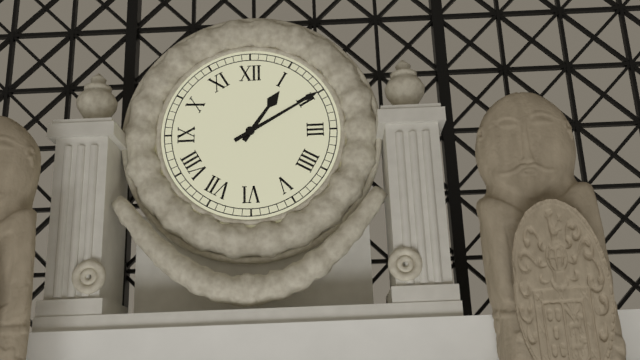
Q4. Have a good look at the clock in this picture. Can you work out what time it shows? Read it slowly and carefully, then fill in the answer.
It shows 1:10
